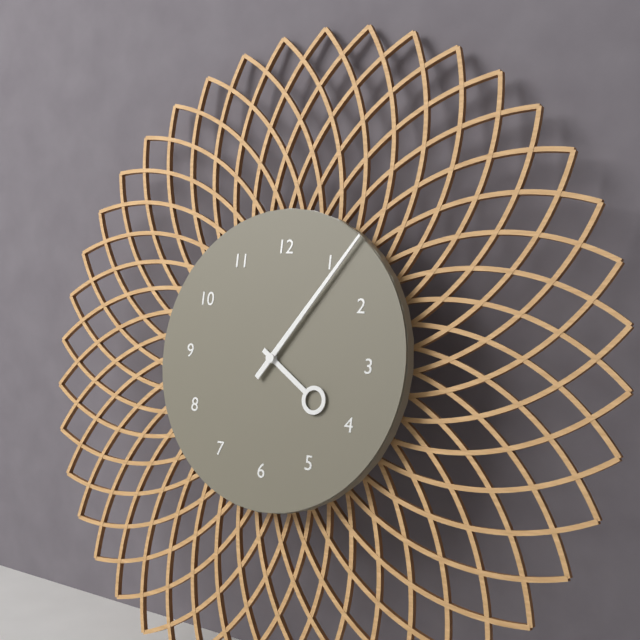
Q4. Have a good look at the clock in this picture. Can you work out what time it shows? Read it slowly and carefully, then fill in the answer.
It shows 4:06
